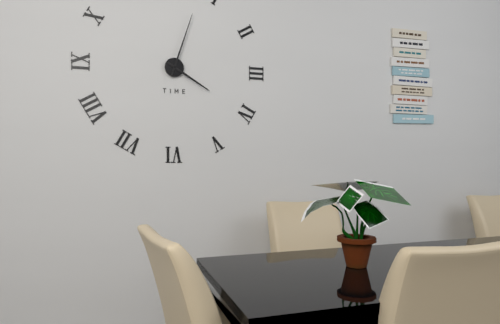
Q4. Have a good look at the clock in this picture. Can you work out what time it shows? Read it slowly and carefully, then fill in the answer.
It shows 4:03
